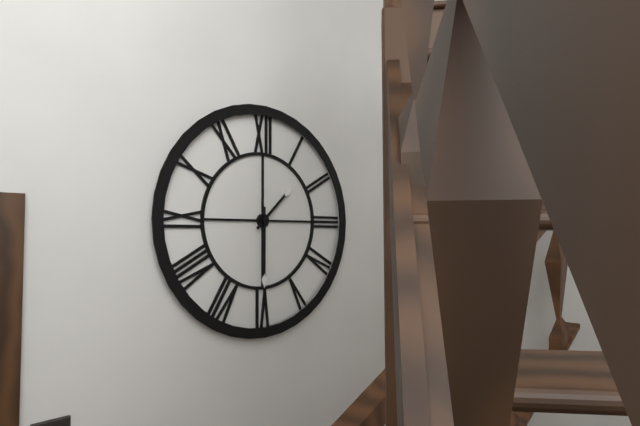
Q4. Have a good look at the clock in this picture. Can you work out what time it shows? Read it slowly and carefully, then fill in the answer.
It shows 1:30
